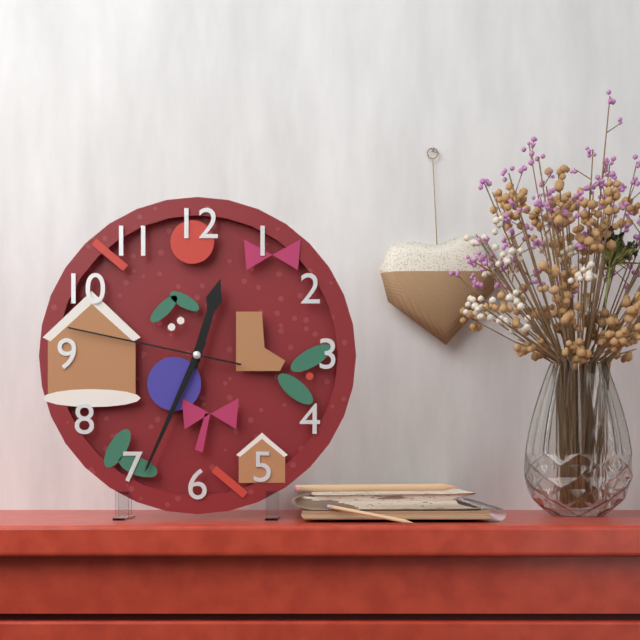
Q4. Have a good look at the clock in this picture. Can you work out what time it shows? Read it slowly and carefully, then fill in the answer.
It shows 12:34:47
